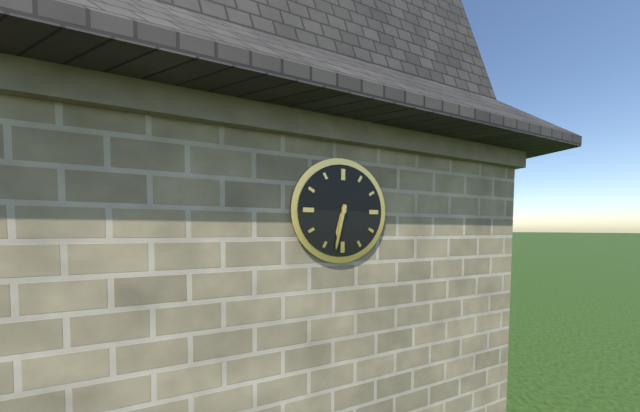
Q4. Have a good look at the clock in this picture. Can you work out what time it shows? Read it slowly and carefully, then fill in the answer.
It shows 6:32
